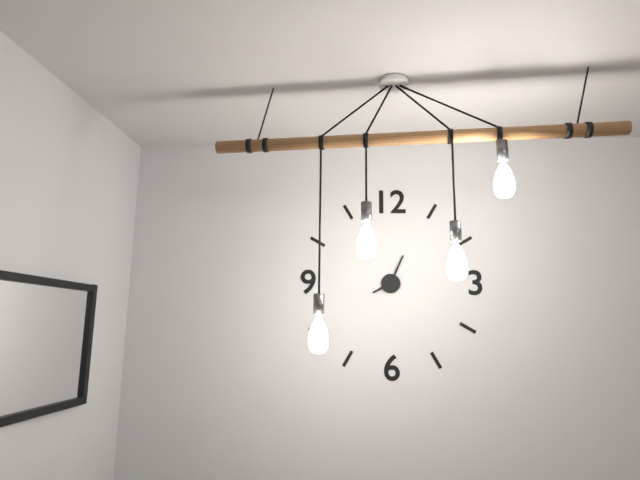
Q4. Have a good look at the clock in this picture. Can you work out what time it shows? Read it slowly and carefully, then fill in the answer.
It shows 8:04
